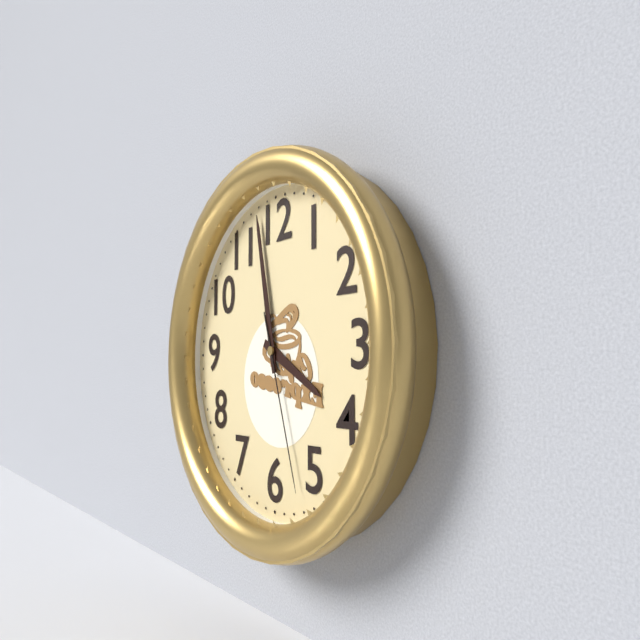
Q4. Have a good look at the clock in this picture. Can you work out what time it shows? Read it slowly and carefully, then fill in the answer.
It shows 3:58:27
